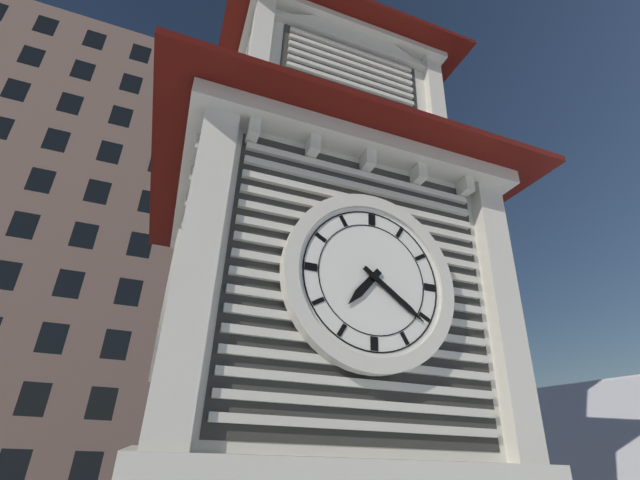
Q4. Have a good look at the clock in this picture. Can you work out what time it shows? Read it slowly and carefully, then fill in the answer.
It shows 7:21
